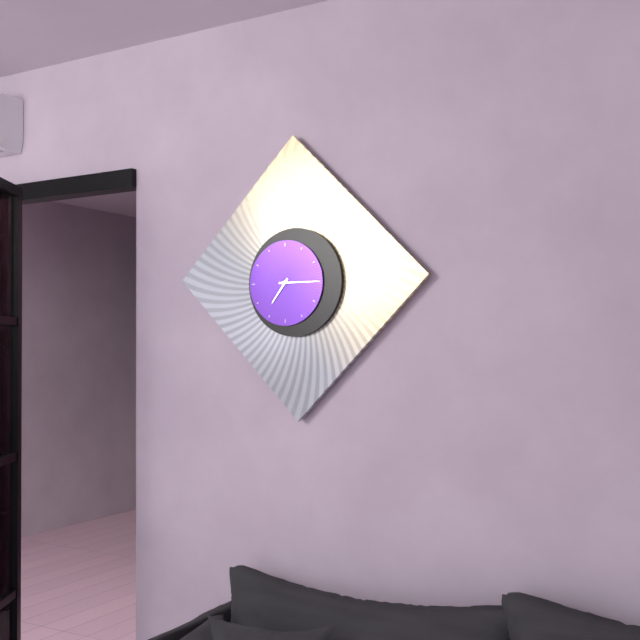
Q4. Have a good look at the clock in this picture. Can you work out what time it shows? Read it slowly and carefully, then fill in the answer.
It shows 7:15
